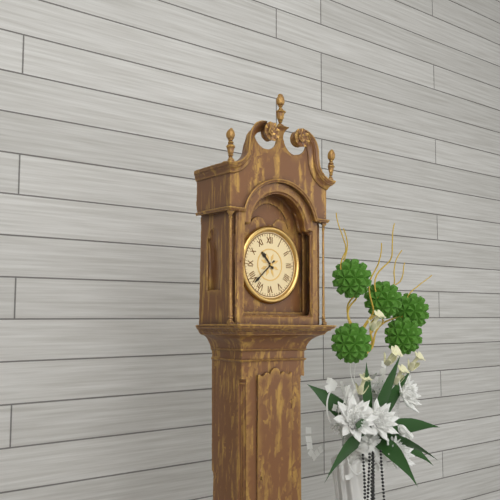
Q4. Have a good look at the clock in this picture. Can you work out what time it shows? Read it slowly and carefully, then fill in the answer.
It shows 10:38
